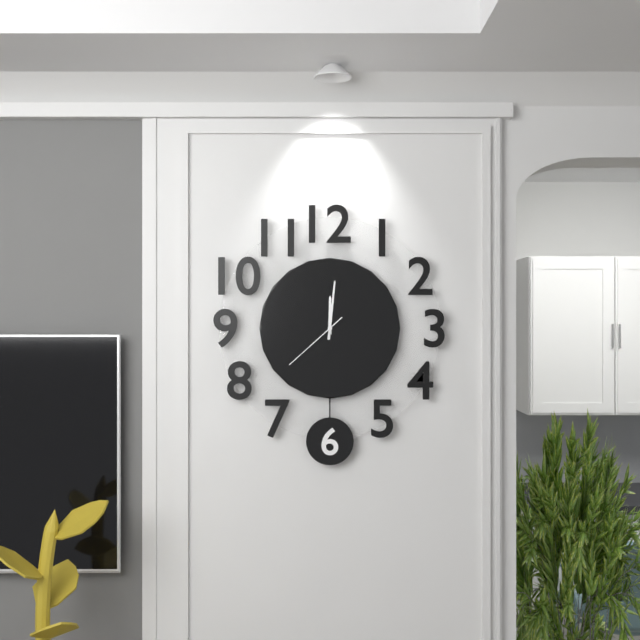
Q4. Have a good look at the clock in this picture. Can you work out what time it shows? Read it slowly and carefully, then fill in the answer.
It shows 12:01:38
